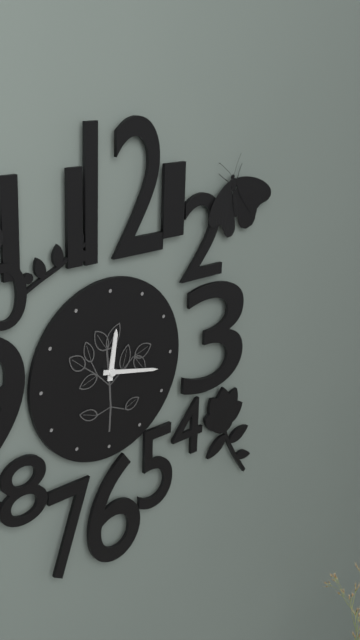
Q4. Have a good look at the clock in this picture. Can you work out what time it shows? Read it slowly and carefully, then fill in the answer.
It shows 12:17
